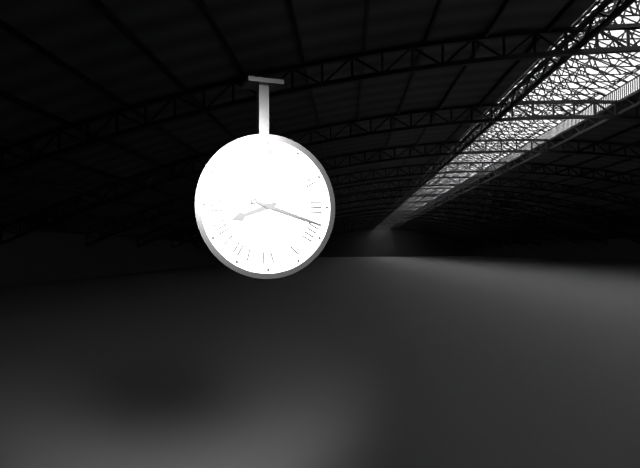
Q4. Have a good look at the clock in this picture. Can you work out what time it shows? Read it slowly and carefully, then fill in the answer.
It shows 8:18
